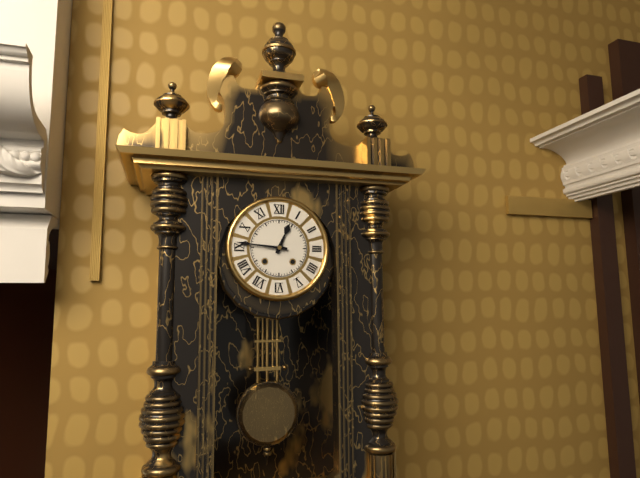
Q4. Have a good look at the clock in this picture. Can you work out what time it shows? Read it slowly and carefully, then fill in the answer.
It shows 12:46
